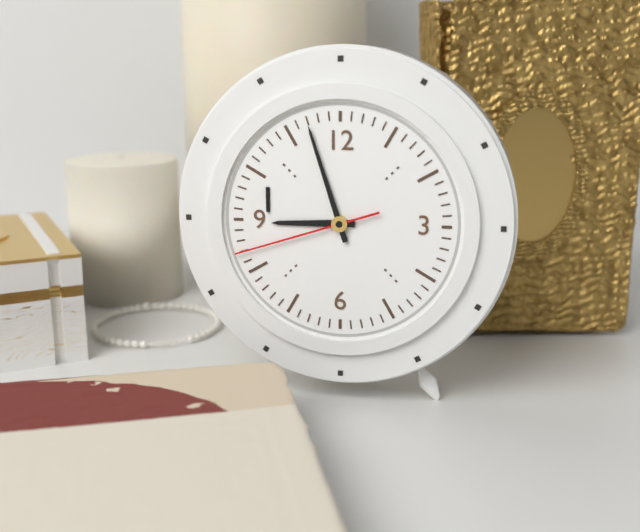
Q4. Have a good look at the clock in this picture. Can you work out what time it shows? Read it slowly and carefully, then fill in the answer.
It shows 8:57:42
